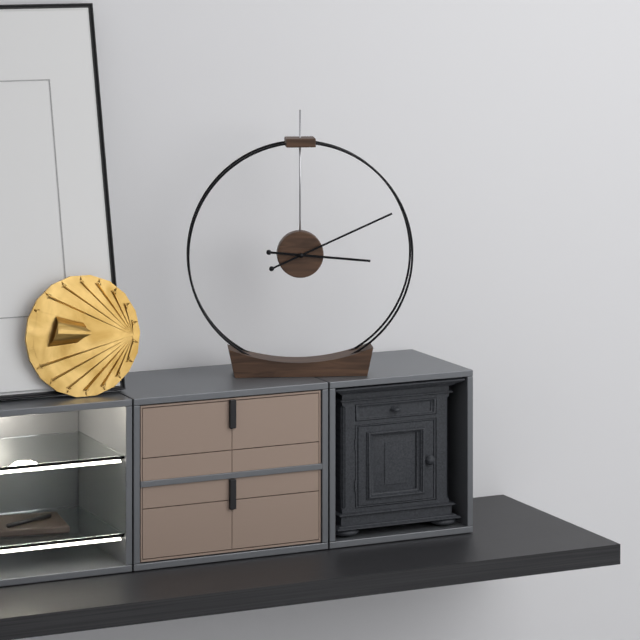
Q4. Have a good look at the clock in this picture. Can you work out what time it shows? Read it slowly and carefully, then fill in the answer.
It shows 3:11
